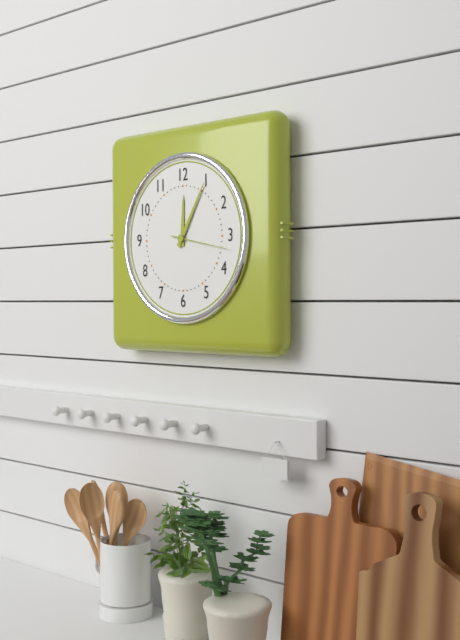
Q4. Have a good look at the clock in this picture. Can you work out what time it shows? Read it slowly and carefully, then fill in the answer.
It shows 12:05:17
